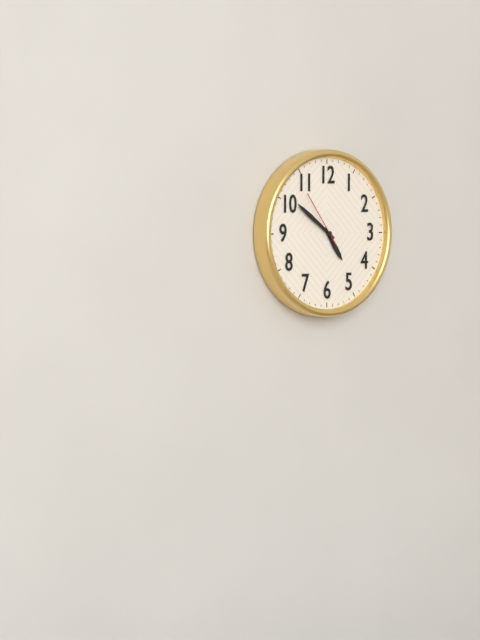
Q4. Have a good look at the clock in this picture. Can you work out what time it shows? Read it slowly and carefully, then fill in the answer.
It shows 4:51:54
